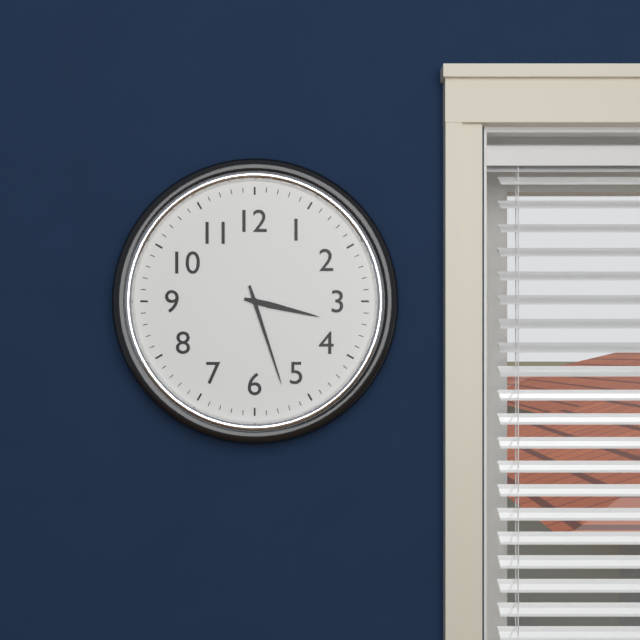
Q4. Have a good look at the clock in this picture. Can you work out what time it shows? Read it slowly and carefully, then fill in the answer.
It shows 3:27
